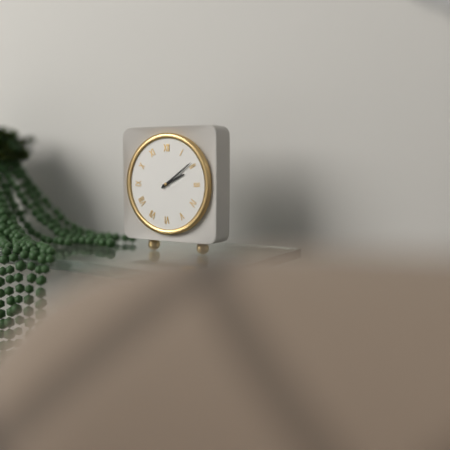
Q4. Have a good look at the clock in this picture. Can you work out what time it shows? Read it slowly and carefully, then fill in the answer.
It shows 2:09
